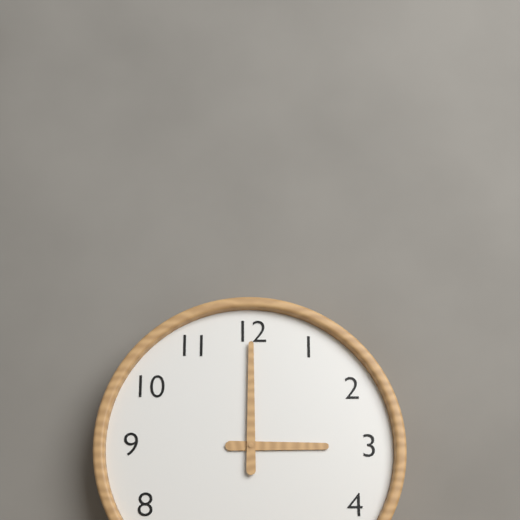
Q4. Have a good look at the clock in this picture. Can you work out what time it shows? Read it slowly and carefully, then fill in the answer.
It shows 3:00
